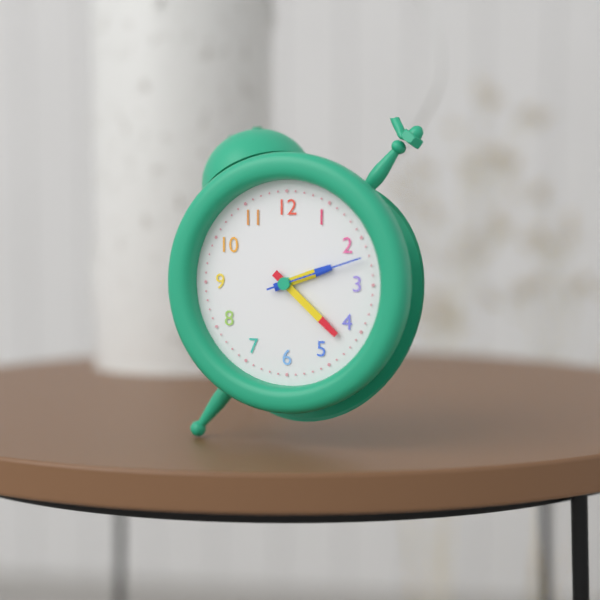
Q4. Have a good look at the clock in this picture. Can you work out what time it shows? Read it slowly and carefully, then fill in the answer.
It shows 2:22:12
